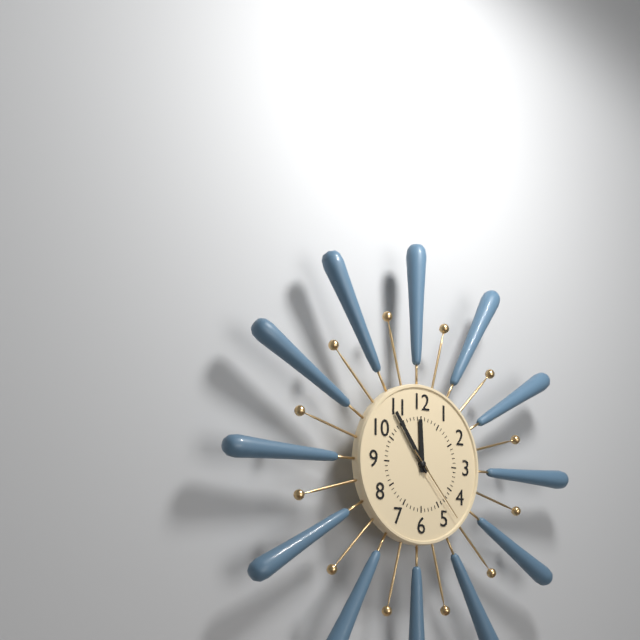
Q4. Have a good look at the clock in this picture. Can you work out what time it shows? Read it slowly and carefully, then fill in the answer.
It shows 11:54:23
